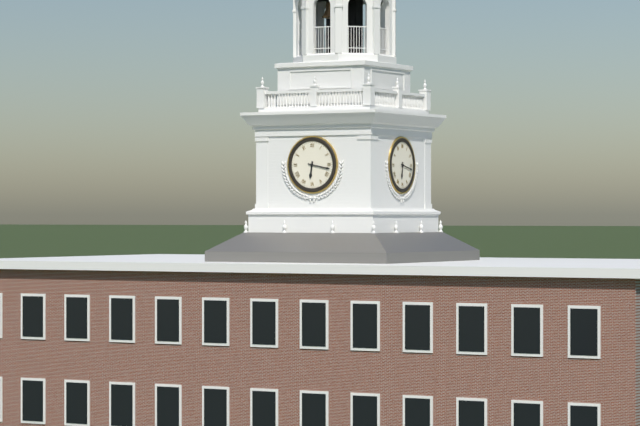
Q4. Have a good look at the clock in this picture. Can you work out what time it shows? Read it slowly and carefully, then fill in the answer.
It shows 6:17
